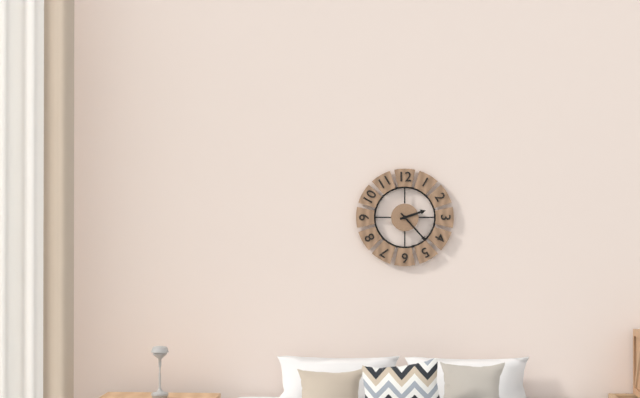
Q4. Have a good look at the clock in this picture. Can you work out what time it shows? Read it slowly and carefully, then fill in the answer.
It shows 2:23
